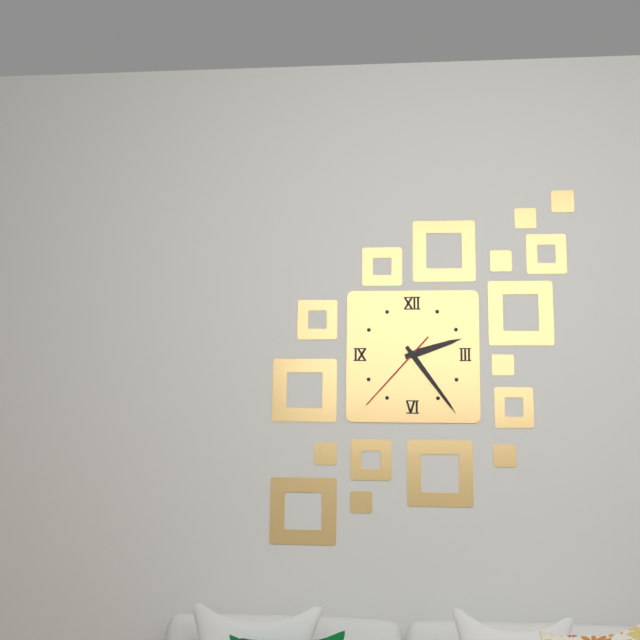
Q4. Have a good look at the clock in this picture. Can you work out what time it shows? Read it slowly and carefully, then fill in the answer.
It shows 2:24:37
